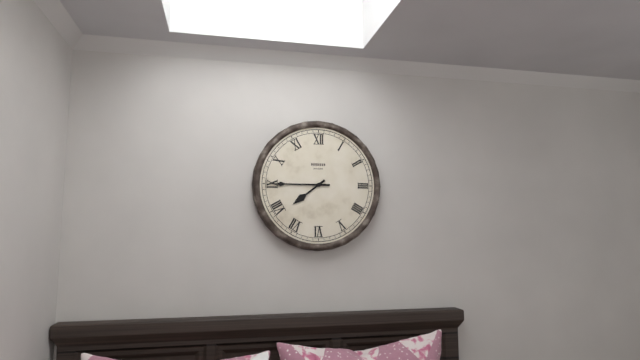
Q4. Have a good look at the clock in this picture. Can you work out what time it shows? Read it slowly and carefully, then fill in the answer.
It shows 7:45
